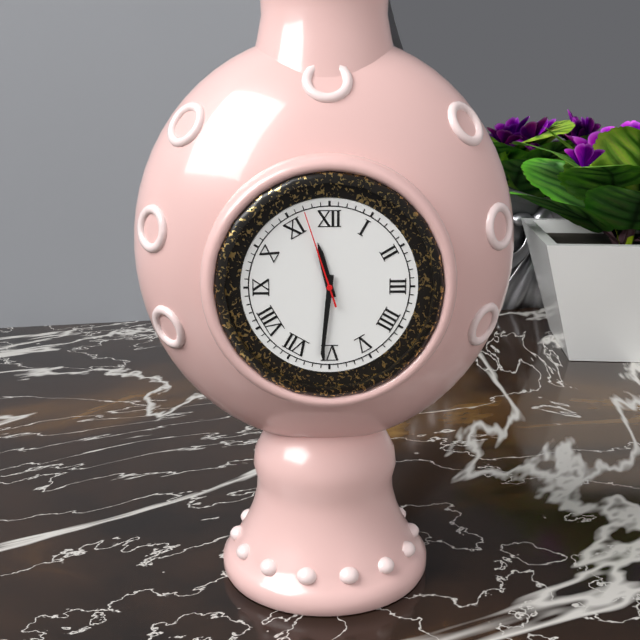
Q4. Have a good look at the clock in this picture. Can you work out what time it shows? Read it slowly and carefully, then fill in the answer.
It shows 11:31:57
